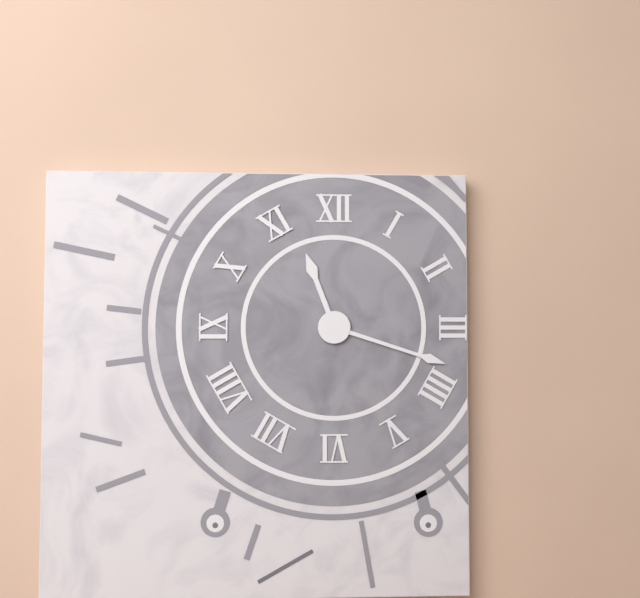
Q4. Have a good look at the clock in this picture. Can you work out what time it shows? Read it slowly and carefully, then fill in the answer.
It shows 11:18
